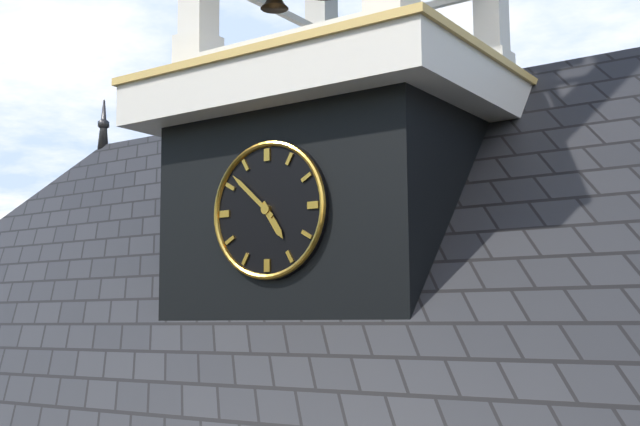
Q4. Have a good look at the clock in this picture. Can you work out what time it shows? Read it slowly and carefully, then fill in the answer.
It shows 4:52
